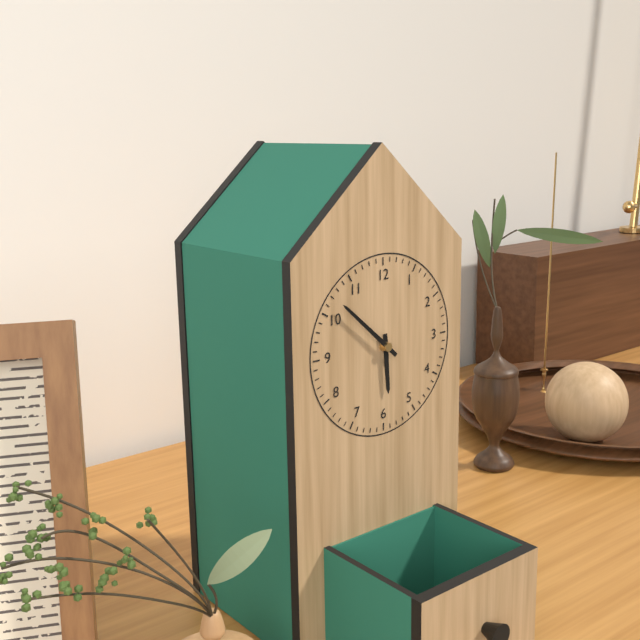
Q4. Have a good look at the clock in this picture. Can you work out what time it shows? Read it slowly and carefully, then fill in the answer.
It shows 5:52
